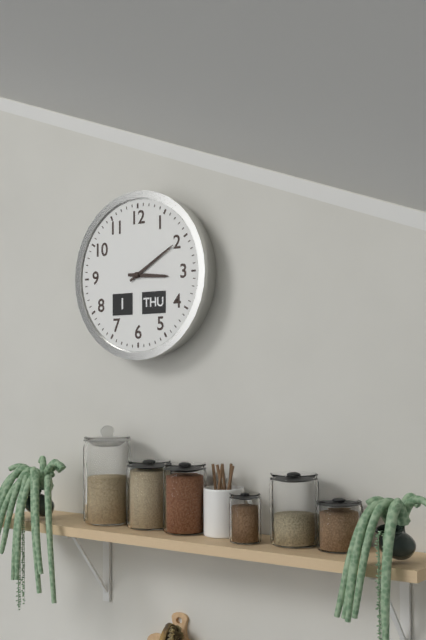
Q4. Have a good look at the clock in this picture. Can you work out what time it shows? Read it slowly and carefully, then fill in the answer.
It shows 3:10
